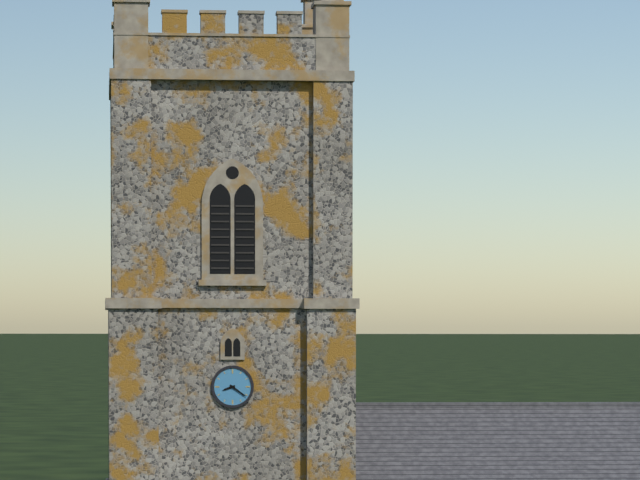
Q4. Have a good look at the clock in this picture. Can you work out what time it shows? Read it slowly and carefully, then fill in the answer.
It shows 8:21
